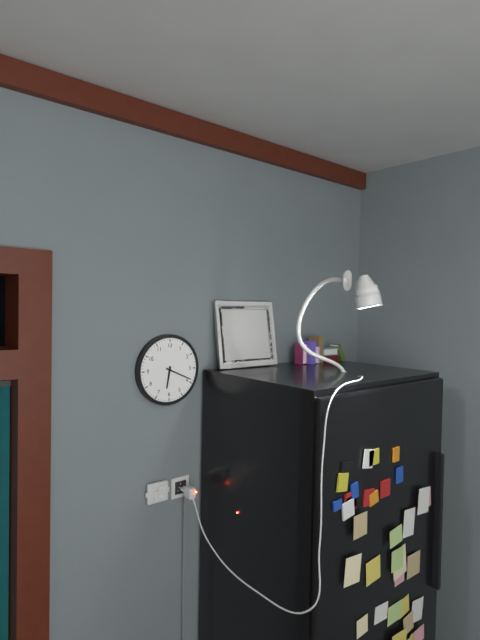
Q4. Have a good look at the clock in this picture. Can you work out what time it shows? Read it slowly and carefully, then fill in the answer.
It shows 6:19
